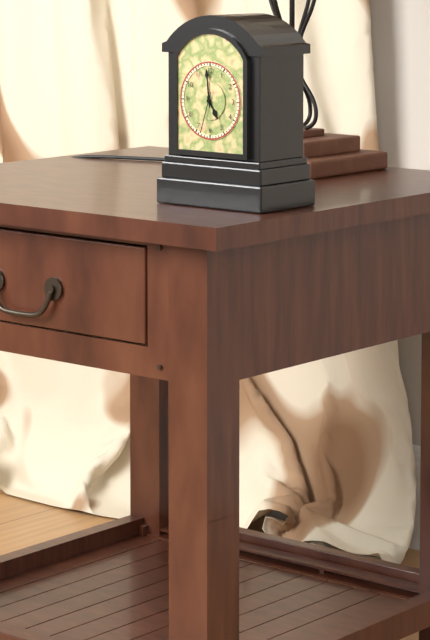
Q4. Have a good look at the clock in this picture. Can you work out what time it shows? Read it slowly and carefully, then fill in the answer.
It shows 4:59
